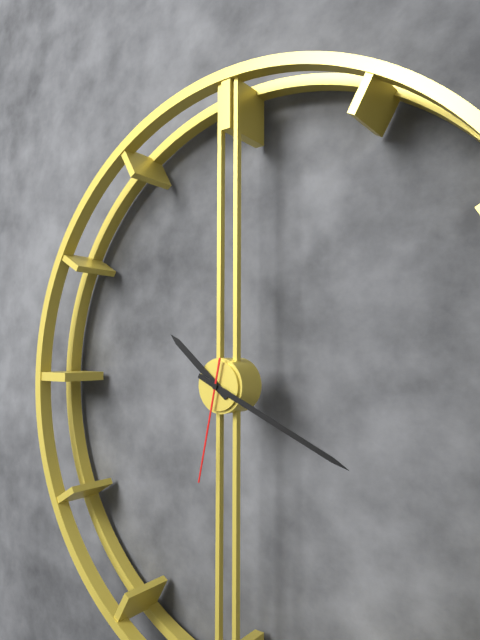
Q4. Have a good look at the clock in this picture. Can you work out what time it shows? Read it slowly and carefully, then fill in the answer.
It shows 10:19:32
